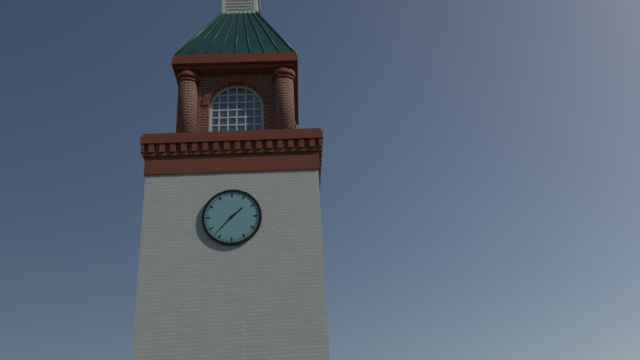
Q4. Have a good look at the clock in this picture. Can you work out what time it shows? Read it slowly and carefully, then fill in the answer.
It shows 1:37
